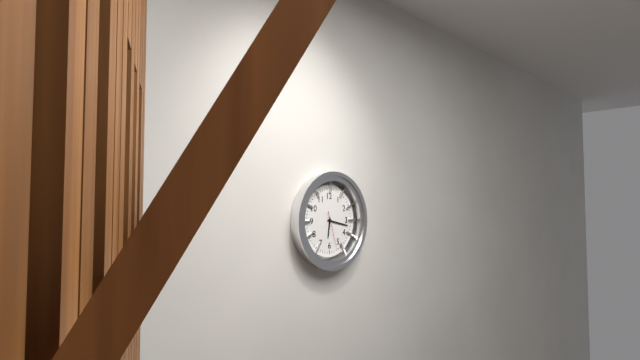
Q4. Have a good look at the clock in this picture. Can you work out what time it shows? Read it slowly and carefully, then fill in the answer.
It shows 6:17
